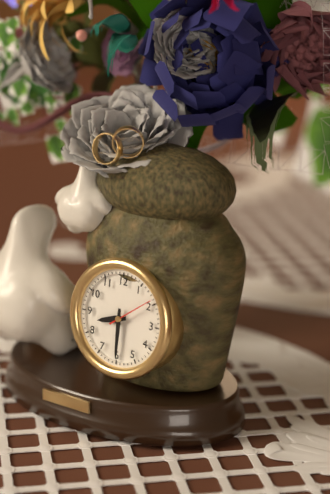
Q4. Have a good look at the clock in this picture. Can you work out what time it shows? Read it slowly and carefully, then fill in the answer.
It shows 8:30
